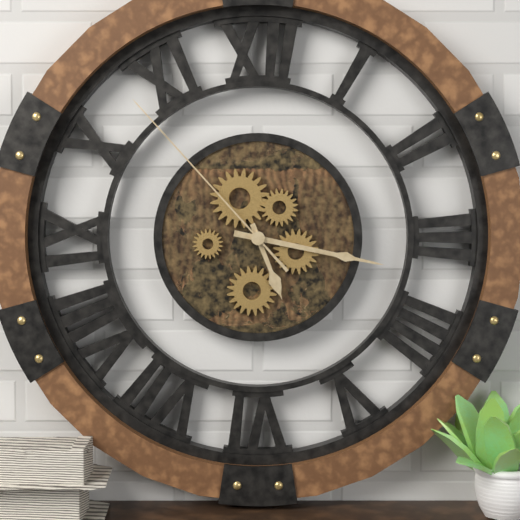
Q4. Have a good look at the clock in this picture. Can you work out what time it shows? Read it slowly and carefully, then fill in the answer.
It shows 5:17:53
